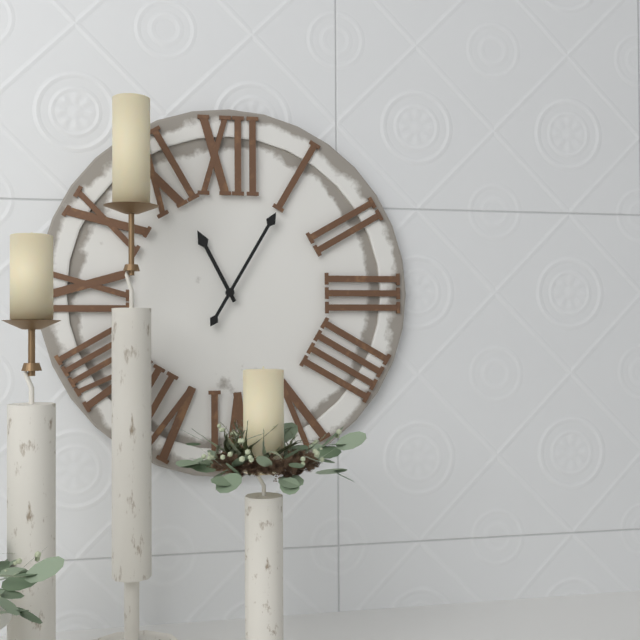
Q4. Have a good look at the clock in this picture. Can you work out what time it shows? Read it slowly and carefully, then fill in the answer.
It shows 11:05
